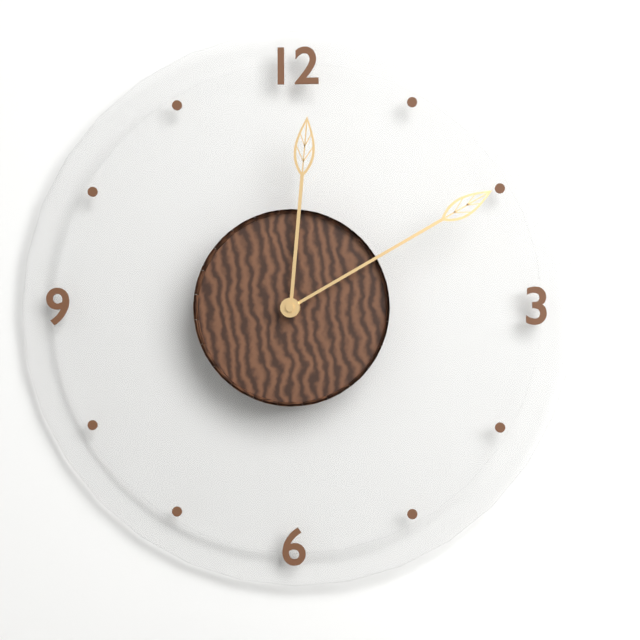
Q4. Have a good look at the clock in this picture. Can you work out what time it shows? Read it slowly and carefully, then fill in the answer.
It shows 12:10
